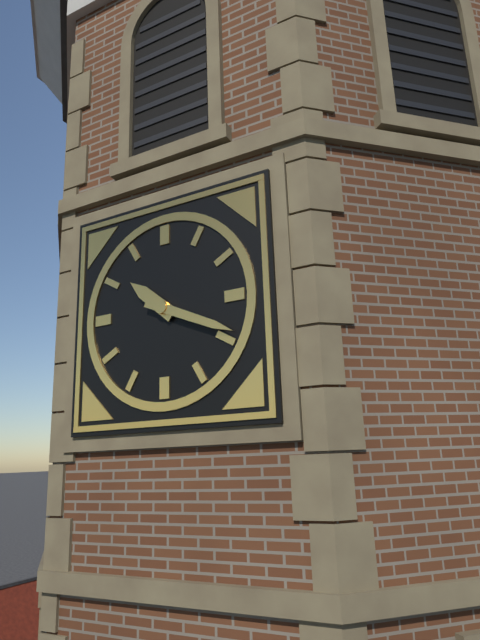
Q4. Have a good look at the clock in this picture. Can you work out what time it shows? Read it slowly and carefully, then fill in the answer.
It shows 10:19
